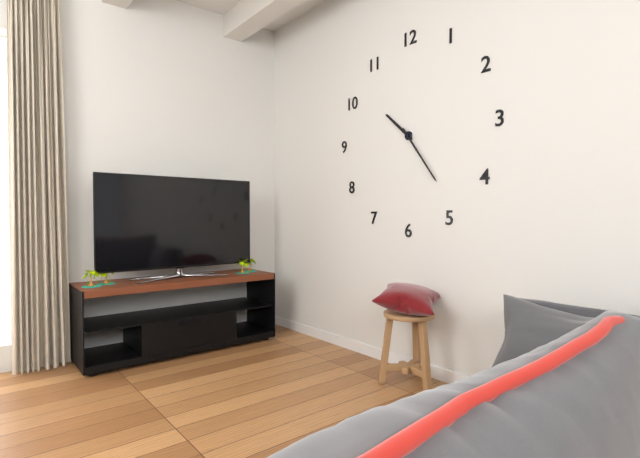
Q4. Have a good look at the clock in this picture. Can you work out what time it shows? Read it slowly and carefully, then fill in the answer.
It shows 10:24
